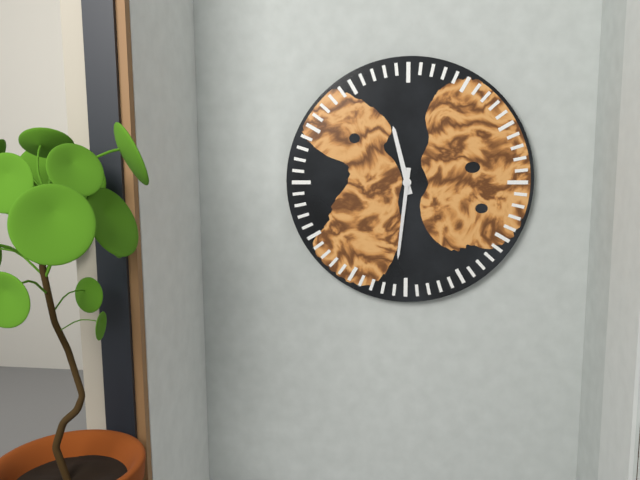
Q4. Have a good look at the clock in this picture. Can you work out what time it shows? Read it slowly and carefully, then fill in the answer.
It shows 11:31
